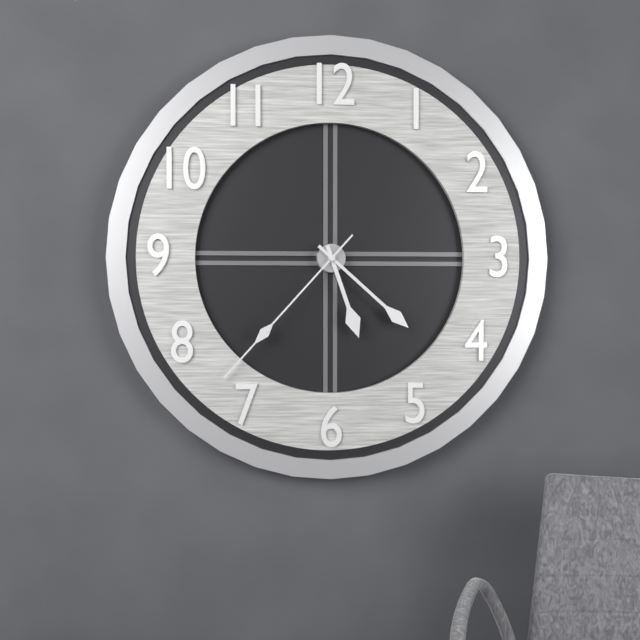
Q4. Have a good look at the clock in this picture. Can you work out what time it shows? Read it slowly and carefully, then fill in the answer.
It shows 5:22:37
